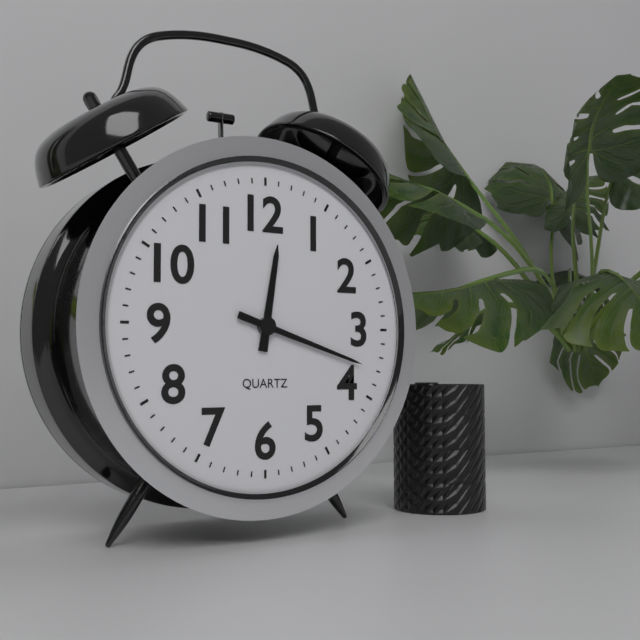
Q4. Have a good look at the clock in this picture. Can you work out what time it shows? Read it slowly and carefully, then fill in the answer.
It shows 12:18
